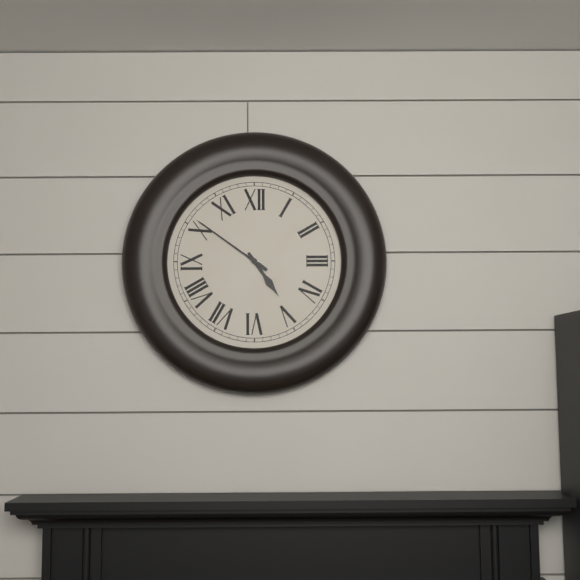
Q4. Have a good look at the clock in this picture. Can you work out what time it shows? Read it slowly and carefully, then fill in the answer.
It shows 4:51
